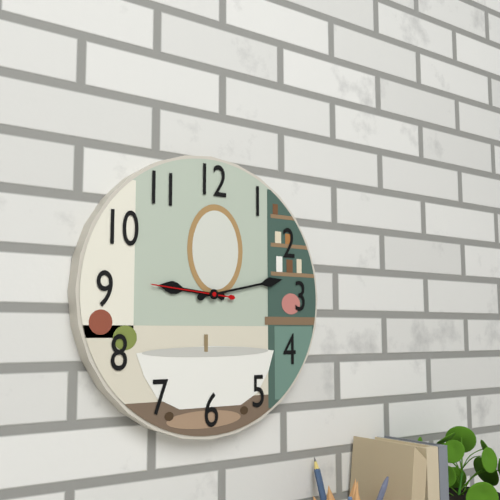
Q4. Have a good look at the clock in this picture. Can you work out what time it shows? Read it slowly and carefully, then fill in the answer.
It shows 9:13:46
